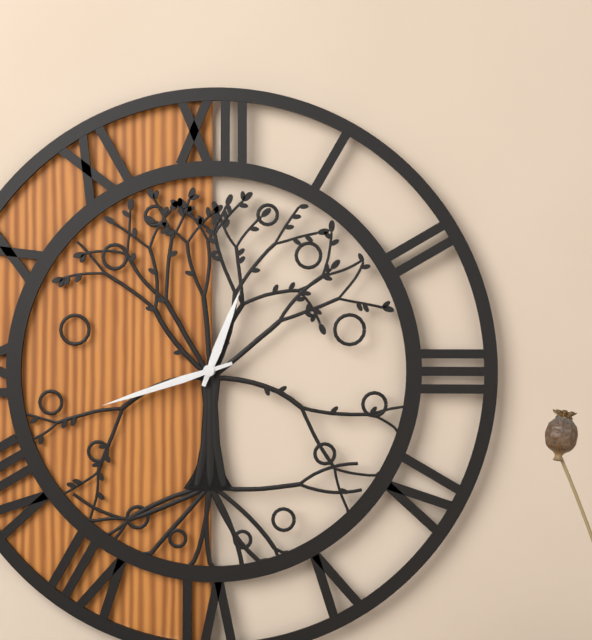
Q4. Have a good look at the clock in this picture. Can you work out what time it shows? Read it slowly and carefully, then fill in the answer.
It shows 12:42
